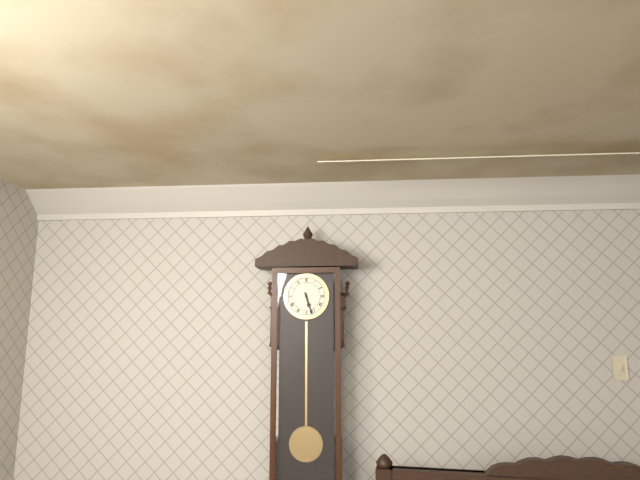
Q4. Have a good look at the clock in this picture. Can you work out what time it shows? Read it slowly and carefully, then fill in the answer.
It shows 5:27
